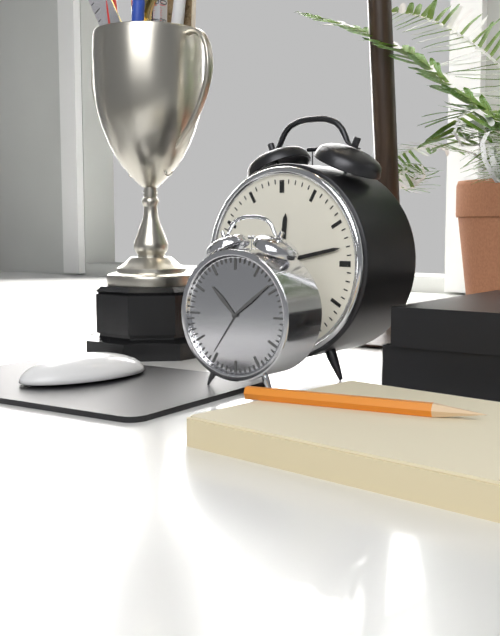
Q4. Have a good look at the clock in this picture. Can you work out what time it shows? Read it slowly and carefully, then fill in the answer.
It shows 12:13
